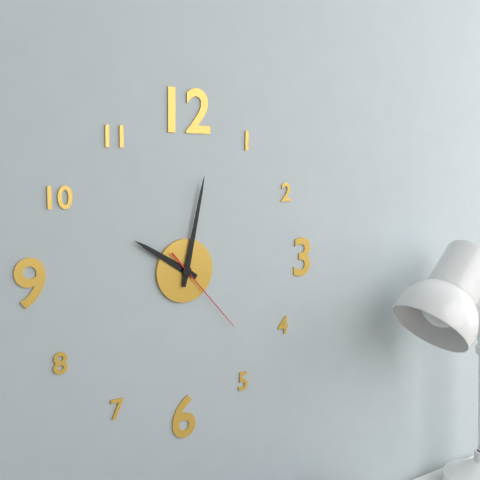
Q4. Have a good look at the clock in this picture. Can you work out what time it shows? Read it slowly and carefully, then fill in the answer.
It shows 10:02:23
